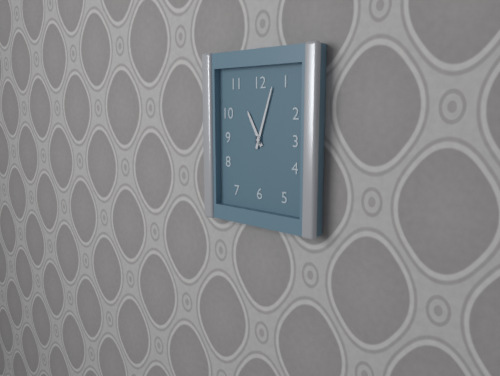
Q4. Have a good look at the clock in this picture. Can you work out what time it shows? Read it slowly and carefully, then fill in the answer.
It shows 11:03
